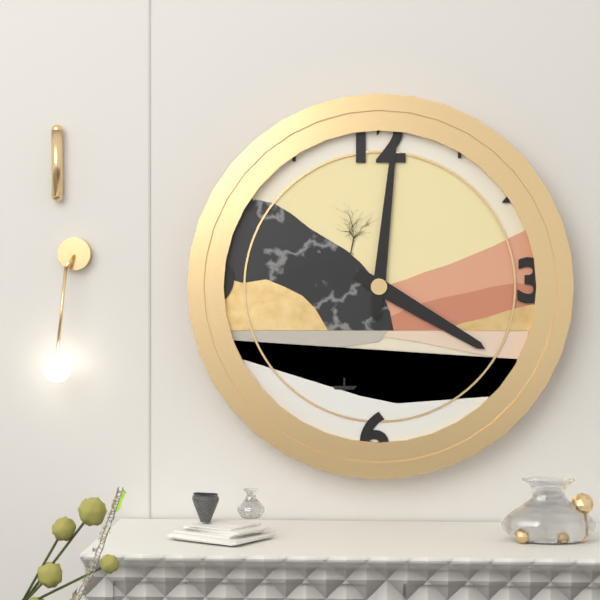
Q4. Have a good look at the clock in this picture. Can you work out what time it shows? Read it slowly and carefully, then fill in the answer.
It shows 4:01:01
